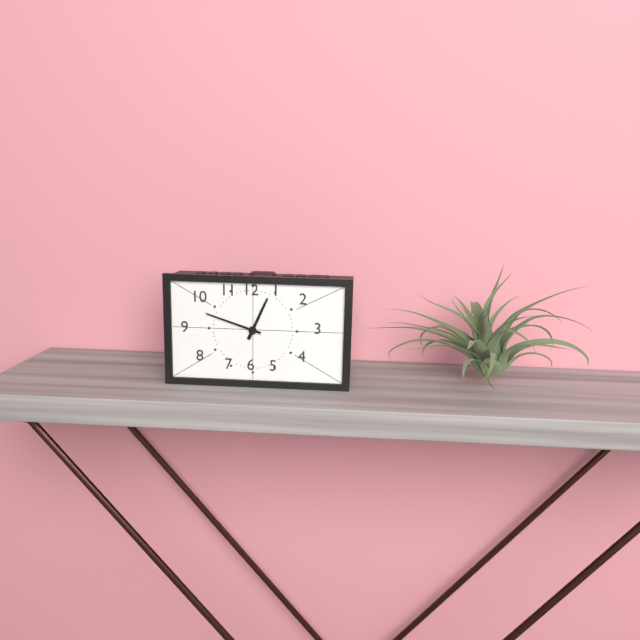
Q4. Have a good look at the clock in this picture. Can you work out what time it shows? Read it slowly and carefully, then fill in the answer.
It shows 12:48
